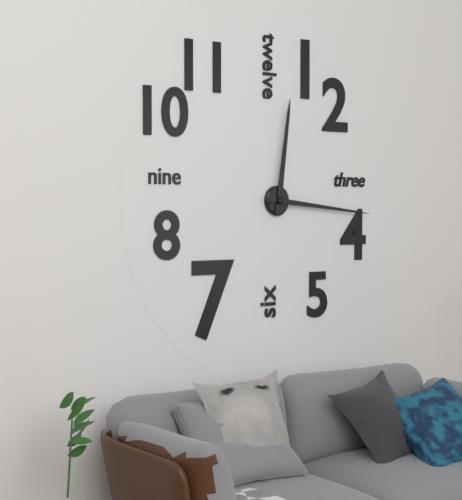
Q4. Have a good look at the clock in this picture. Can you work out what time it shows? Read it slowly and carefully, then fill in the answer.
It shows 12:16
